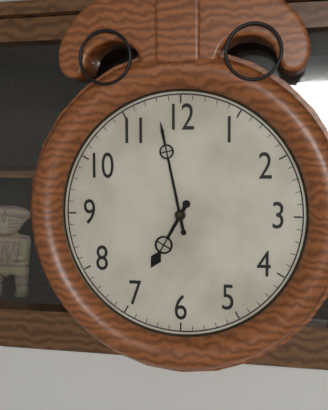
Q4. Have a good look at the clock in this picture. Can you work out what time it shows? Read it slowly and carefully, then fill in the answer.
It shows 6:58
